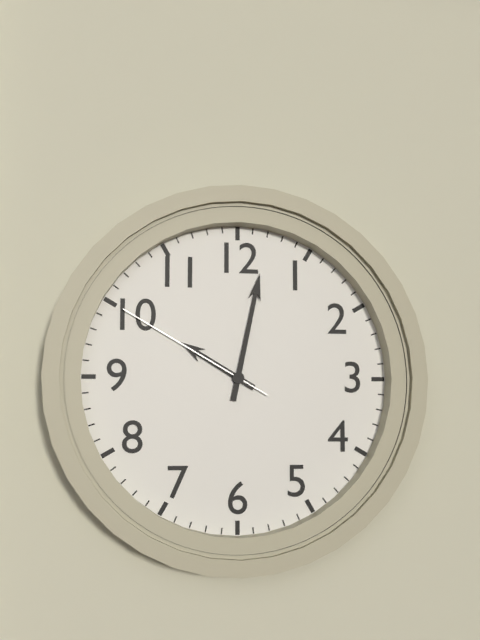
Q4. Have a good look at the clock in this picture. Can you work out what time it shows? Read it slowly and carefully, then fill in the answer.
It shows 10:02:50
